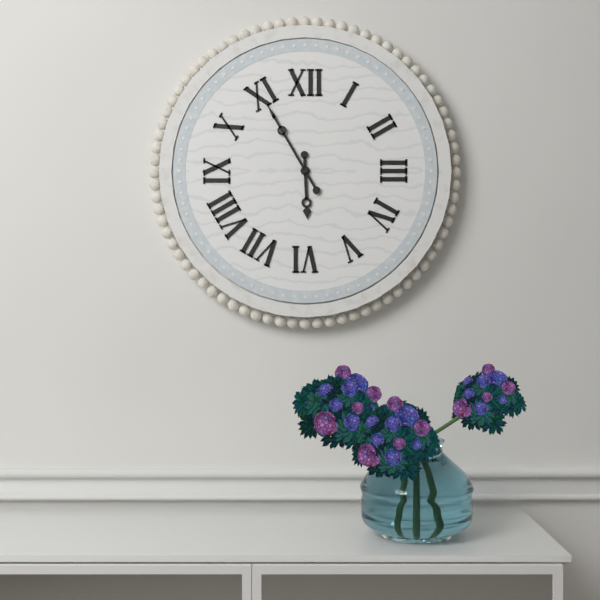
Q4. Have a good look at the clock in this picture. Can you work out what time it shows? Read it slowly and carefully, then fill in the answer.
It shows 5:55
